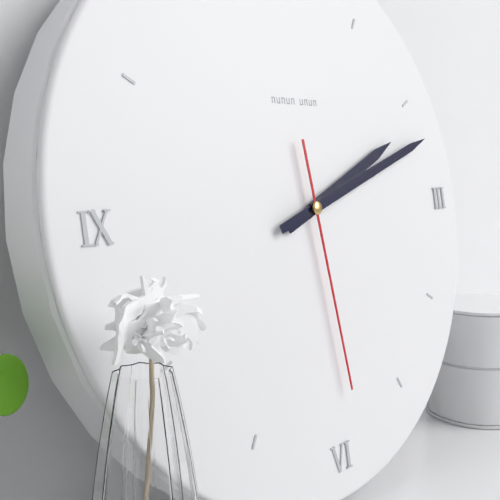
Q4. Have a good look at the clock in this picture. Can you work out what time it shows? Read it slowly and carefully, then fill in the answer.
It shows 2:12:29
